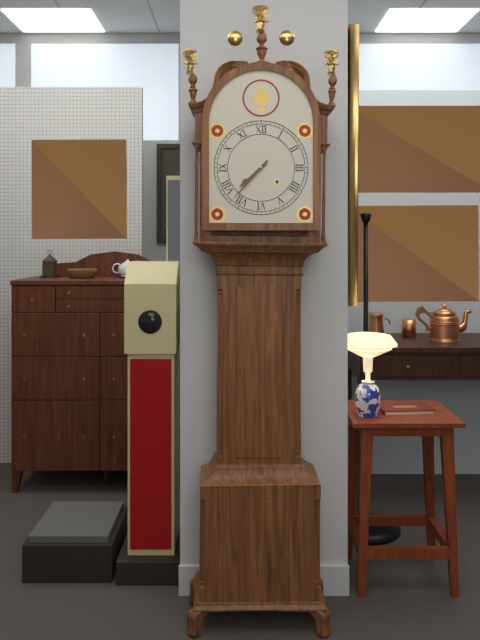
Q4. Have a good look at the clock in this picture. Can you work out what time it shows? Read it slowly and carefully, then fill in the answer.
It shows 7:37
